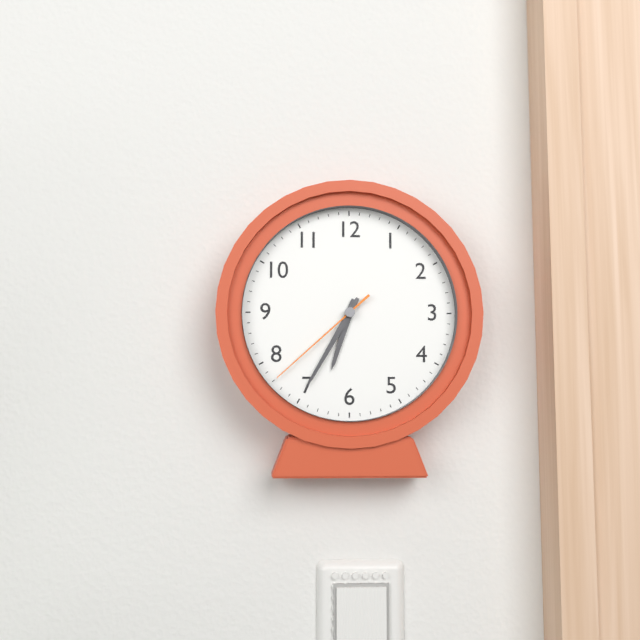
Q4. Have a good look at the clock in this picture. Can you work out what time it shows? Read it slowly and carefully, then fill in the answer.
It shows 6:35:38
